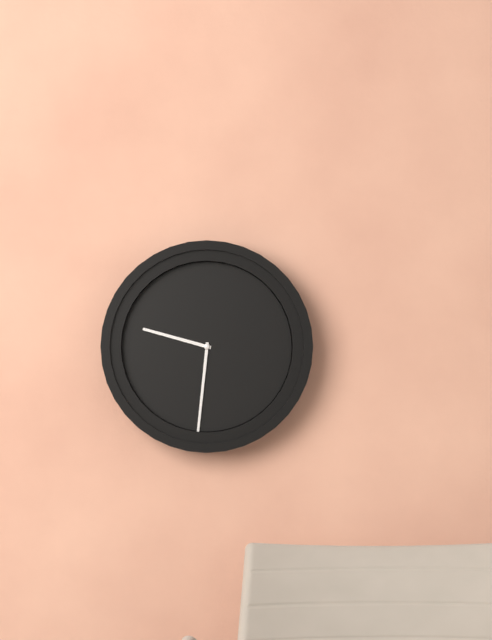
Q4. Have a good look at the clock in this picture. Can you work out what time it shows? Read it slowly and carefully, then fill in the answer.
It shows 9:31
